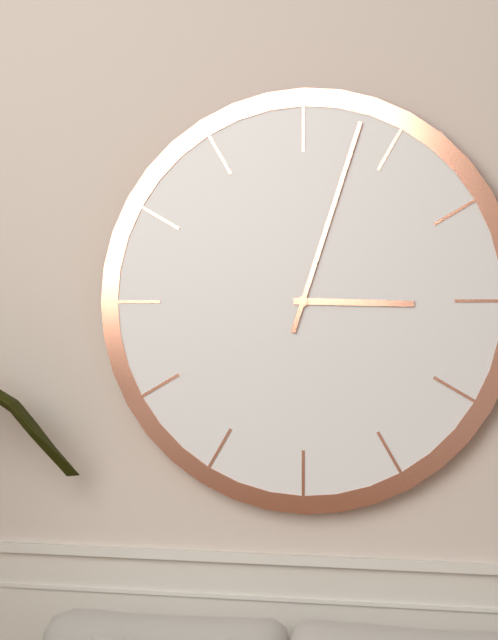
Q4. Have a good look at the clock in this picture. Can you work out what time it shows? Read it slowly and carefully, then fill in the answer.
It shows 3:03
